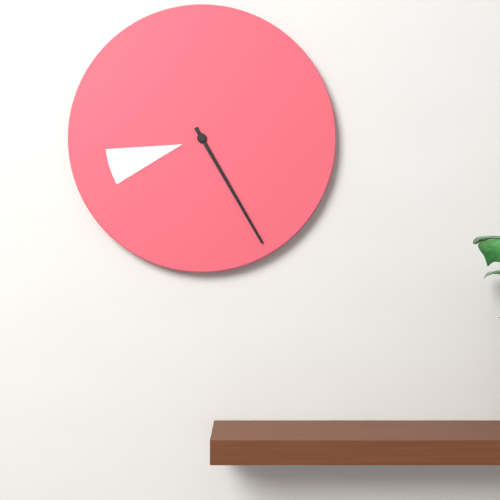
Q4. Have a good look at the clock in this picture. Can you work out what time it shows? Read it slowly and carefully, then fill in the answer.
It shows 8:25
